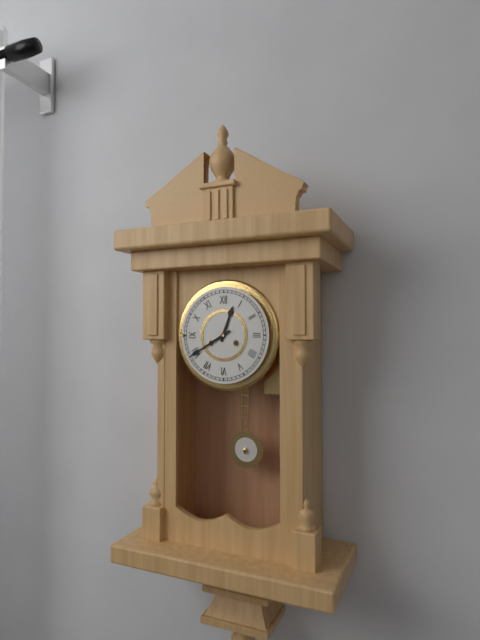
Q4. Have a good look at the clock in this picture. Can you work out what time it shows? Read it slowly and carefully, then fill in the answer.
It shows 12:40
